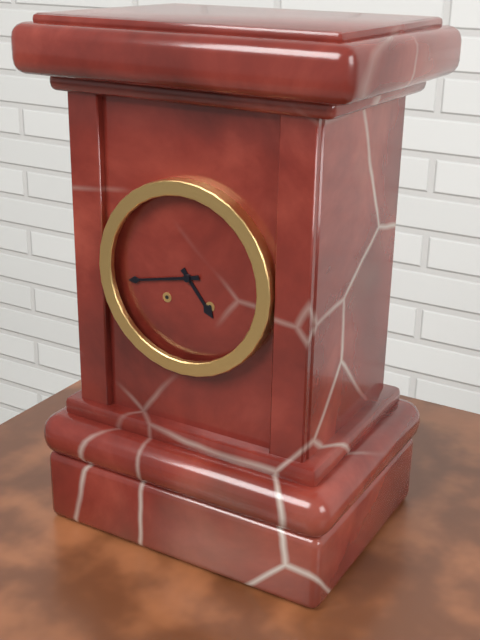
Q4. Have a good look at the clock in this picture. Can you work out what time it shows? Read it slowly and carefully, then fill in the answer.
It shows 4:43
